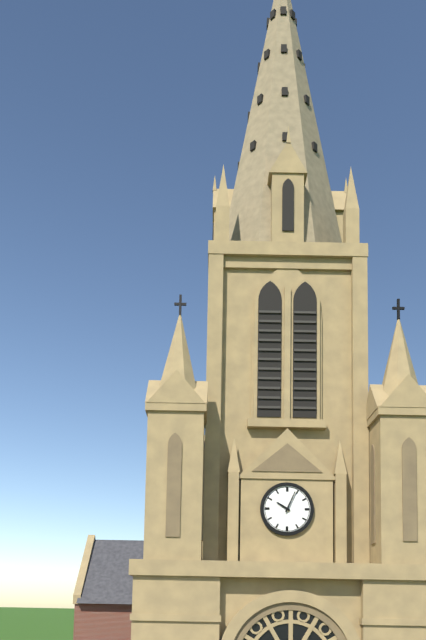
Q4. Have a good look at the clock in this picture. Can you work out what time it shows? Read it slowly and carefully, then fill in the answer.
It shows 10:04
